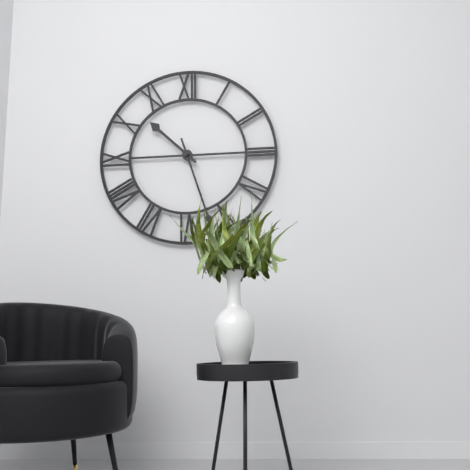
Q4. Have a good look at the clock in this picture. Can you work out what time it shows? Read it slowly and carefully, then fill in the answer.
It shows 10:27
